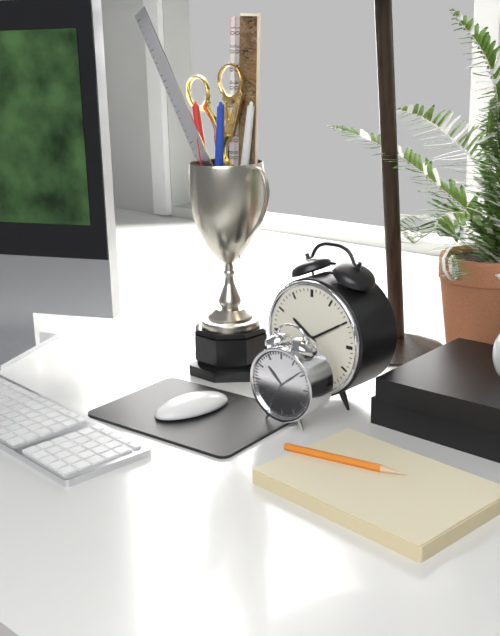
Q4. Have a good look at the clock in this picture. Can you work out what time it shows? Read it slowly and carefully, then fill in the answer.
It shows 10:10
